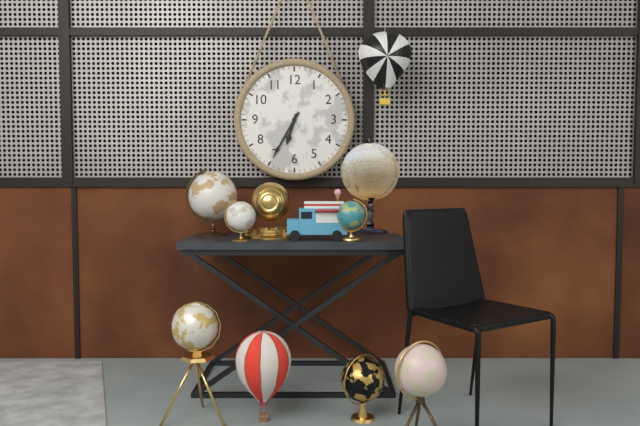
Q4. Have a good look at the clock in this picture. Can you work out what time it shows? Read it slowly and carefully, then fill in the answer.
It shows 6:35
